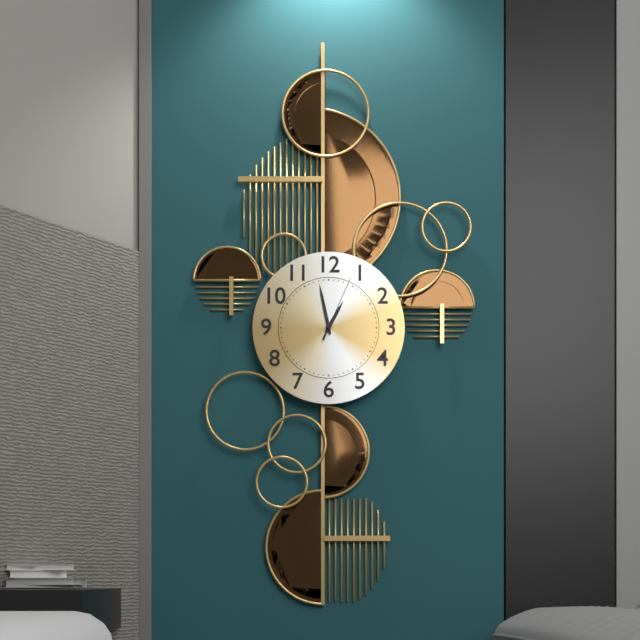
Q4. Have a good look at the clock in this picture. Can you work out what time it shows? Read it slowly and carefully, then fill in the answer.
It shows 12:58:04
